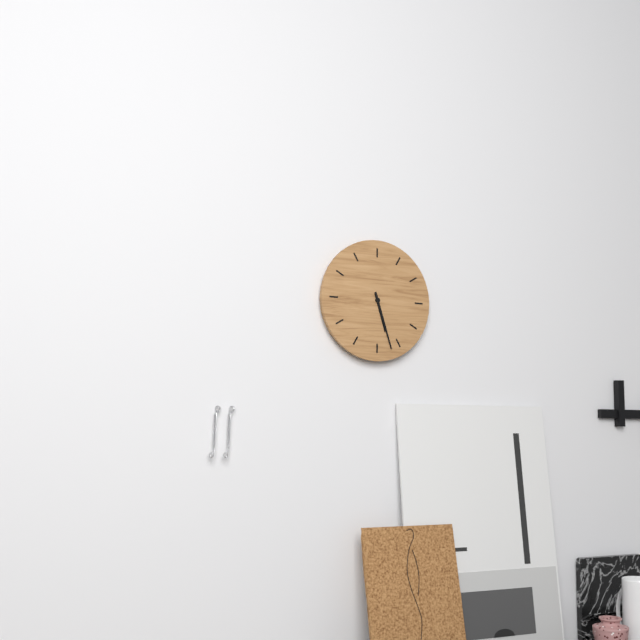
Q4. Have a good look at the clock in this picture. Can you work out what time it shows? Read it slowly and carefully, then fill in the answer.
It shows 5:27
